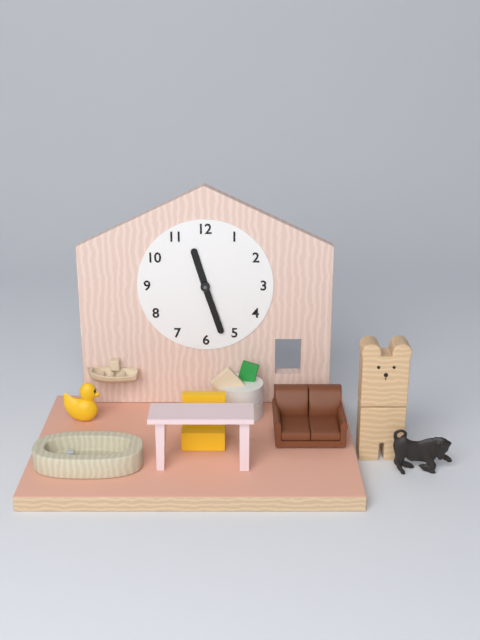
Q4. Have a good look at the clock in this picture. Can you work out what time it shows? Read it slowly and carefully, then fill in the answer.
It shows 11:27
